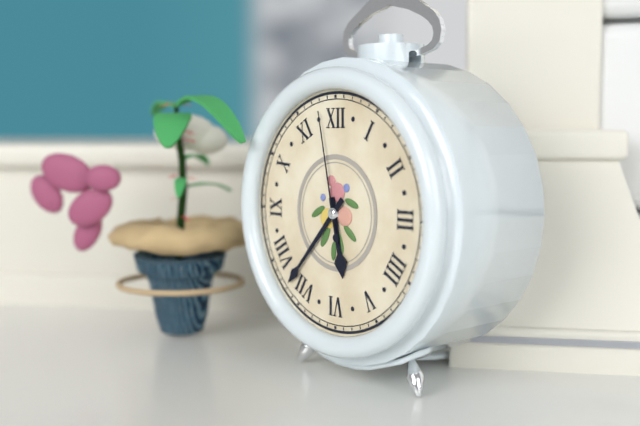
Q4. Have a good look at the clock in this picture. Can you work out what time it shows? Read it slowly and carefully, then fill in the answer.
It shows 5:37:58
